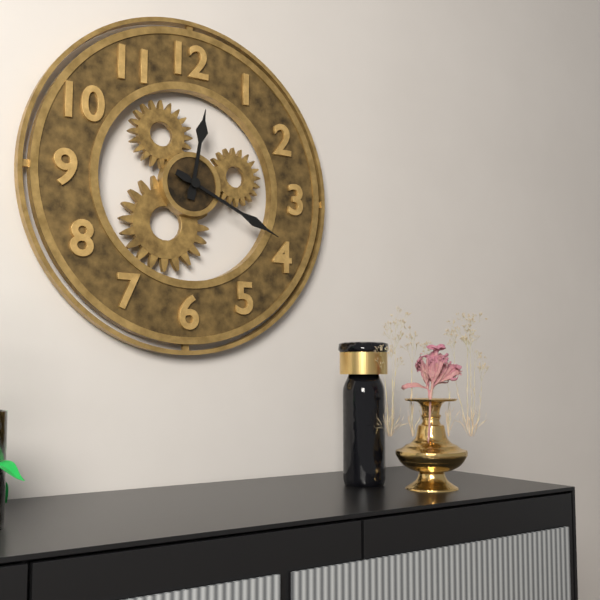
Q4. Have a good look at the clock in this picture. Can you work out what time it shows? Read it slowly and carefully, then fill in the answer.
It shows 12:19
